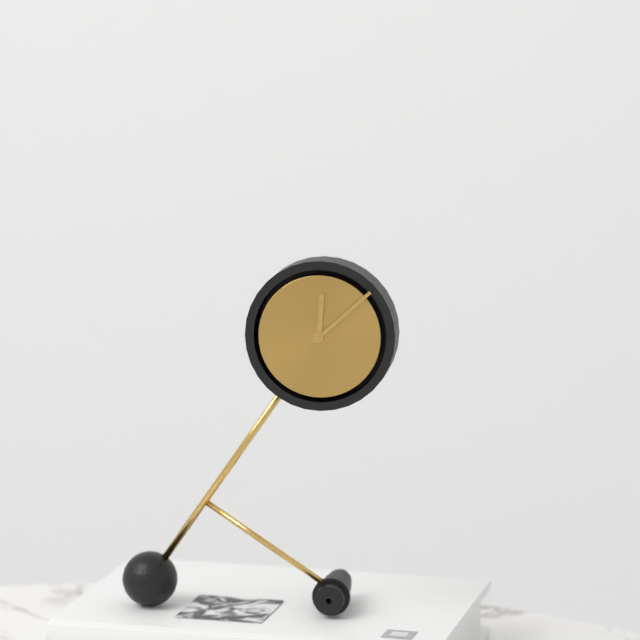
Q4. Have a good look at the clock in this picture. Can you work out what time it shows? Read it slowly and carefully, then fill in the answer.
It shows 12:08
